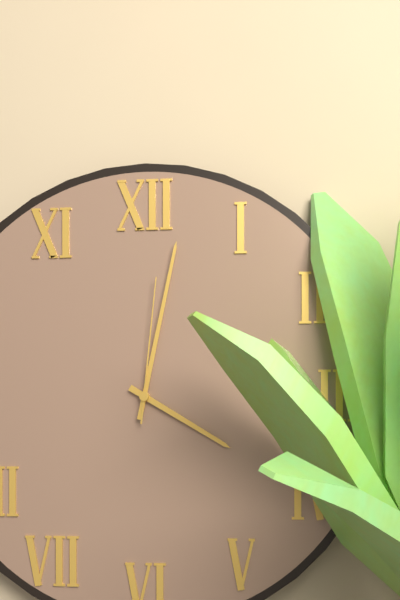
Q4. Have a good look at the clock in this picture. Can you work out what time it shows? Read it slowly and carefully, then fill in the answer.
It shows 4:02:01
